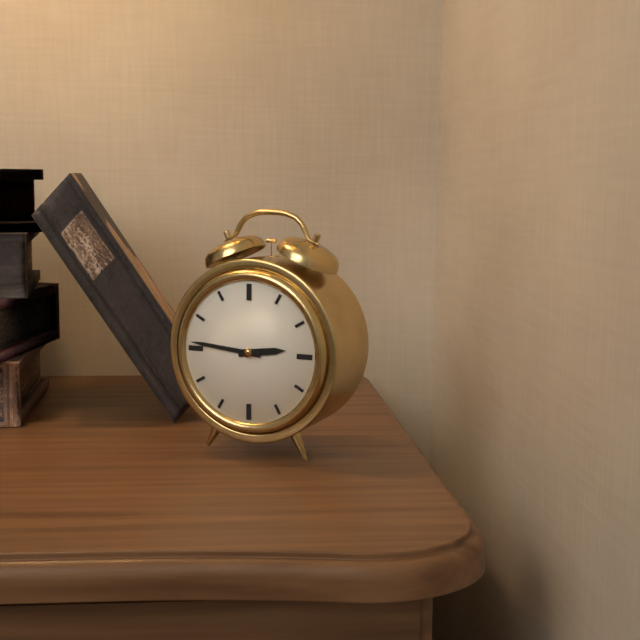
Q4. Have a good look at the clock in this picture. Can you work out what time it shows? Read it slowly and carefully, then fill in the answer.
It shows 2:46
